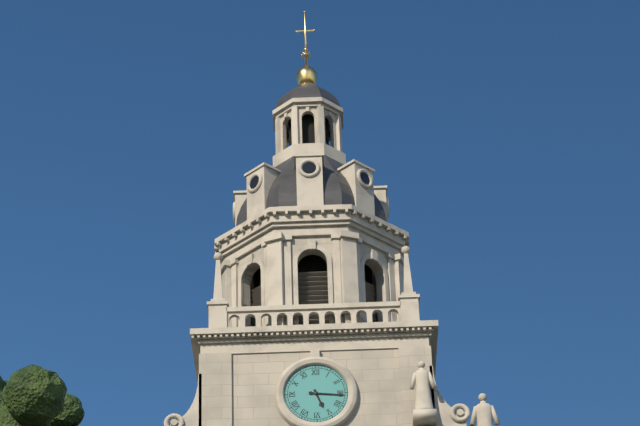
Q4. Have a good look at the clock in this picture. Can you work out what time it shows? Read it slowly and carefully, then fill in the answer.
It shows 5:16
